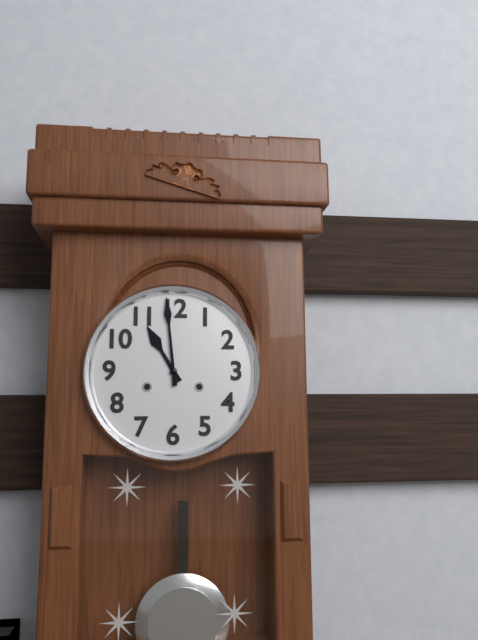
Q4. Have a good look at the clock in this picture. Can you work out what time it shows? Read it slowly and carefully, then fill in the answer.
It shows 10:59
